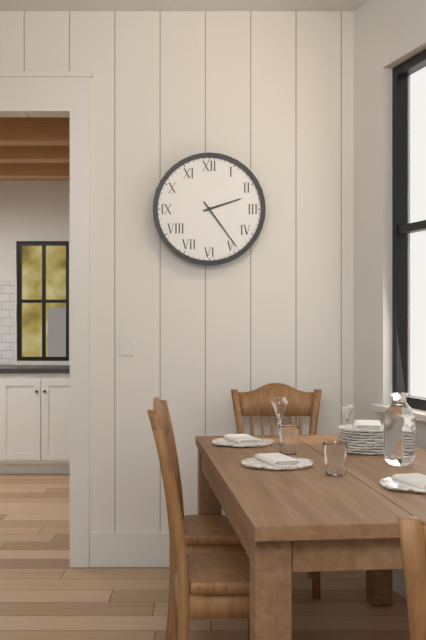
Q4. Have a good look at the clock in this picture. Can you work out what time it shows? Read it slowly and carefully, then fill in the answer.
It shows 2:24
